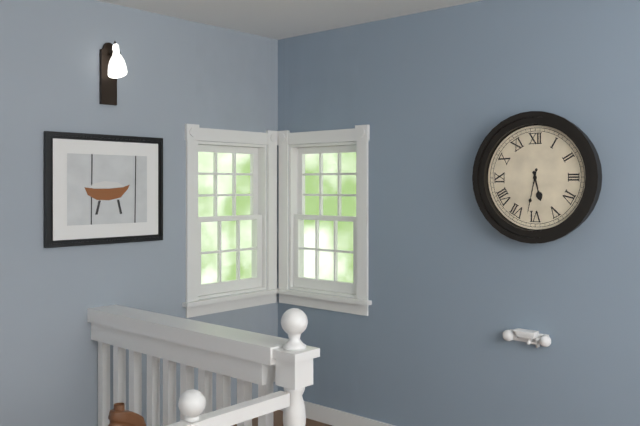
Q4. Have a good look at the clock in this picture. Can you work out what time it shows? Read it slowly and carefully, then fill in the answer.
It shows 5:32
